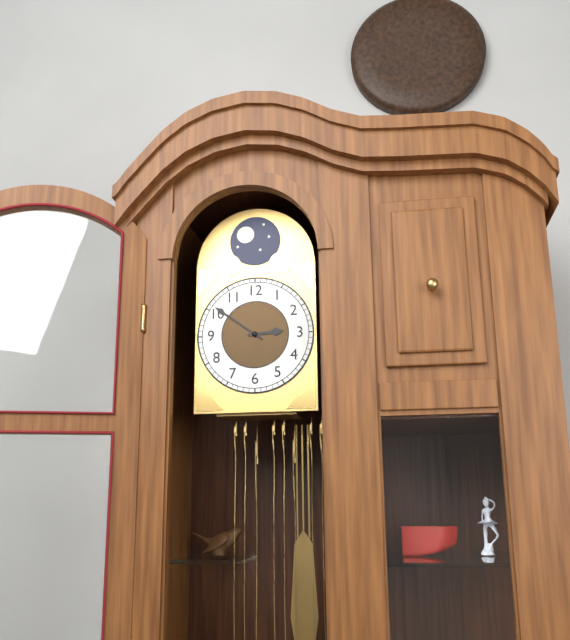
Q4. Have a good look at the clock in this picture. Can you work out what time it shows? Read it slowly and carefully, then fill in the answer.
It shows 2:51
